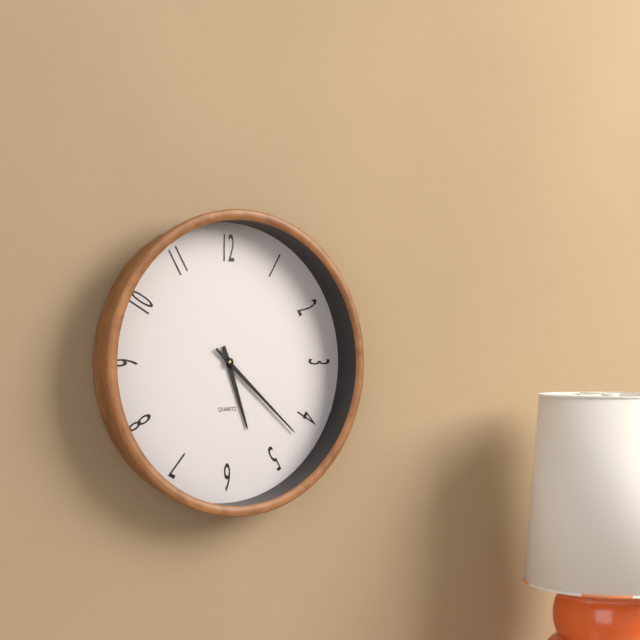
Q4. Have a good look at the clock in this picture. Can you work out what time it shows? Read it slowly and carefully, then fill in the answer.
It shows 5:22
